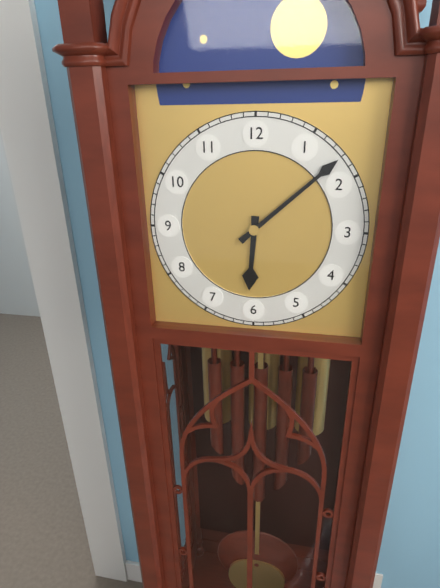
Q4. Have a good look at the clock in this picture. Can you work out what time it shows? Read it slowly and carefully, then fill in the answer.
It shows 6:08
